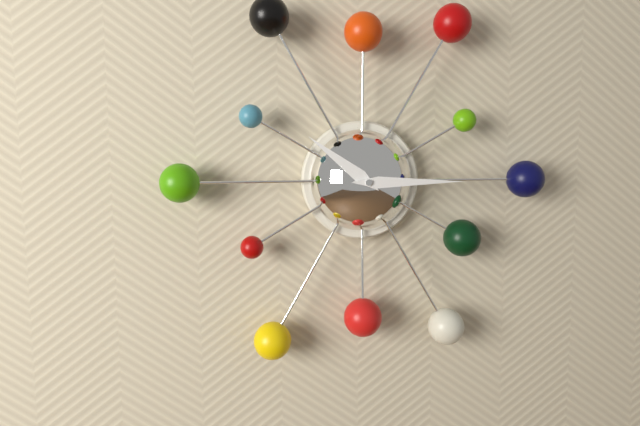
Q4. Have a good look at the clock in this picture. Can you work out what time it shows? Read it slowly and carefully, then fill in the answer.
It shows 10:15
